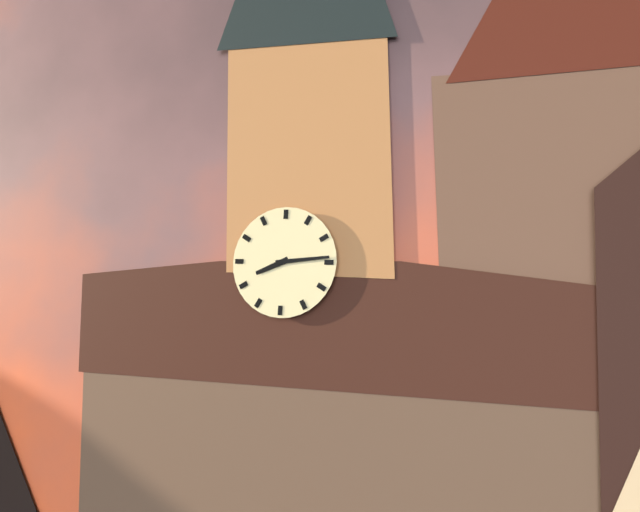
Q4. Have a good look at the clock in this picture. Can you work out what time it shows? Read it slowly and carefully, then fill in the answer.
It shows 8:14
